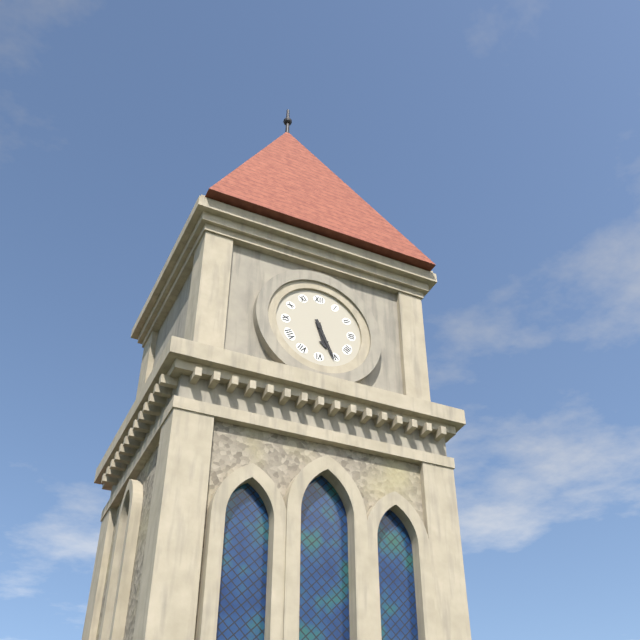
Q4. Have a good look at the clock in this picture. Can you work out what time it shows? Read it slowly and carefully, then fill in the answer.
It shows 5:26
